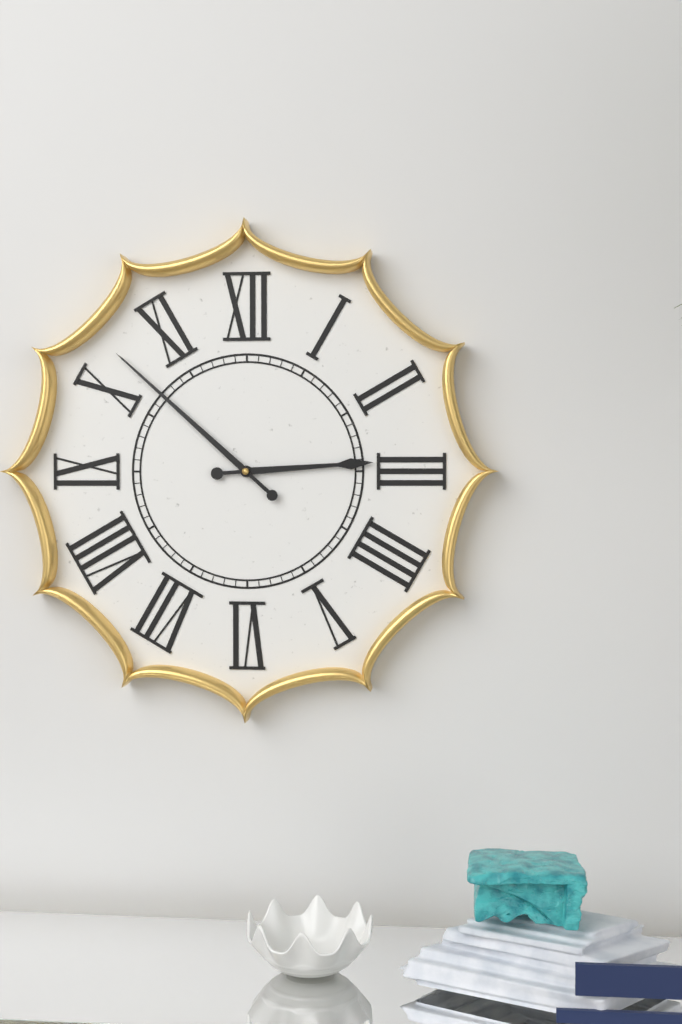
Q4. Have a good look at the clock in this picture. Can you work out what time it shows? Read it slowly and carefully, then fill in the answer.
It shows 2:52
